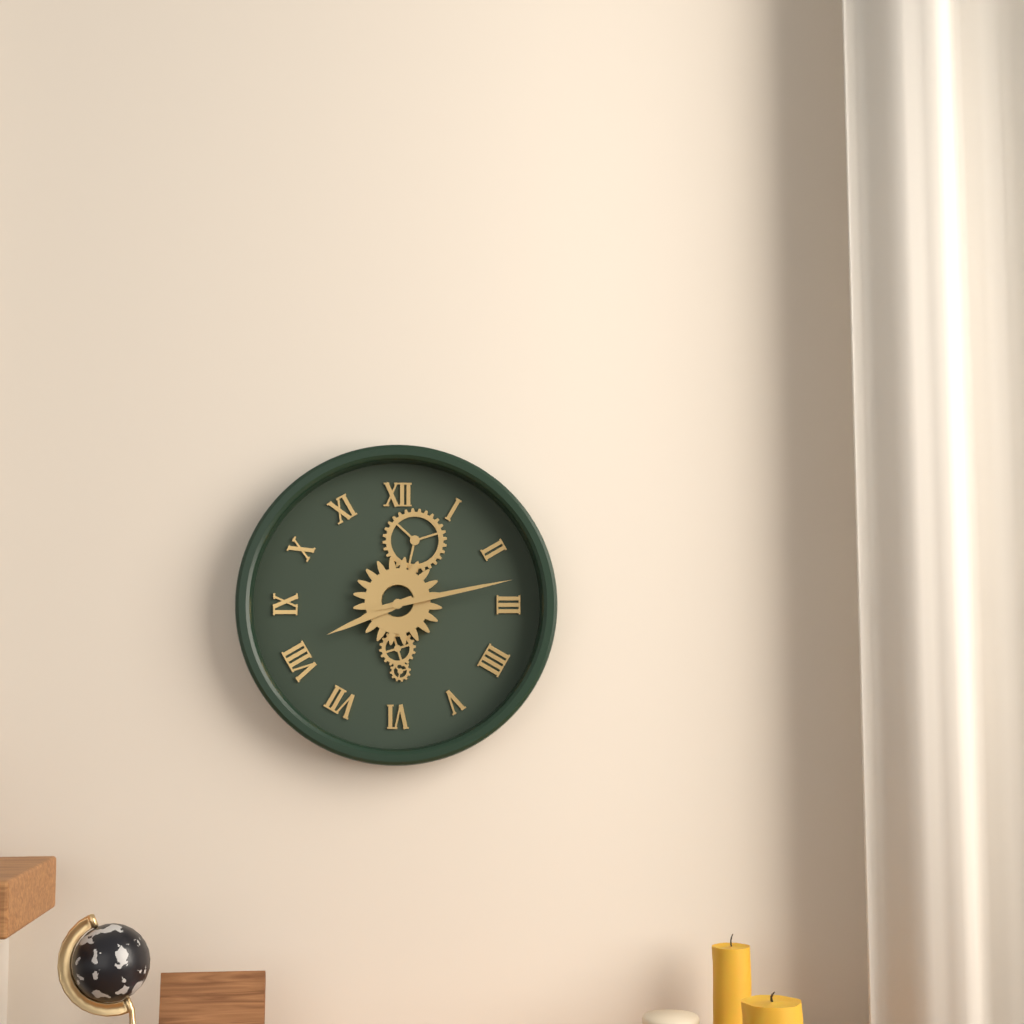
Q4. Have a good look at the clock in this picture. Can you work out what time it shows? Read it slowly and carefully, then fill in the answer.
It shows 8:13
